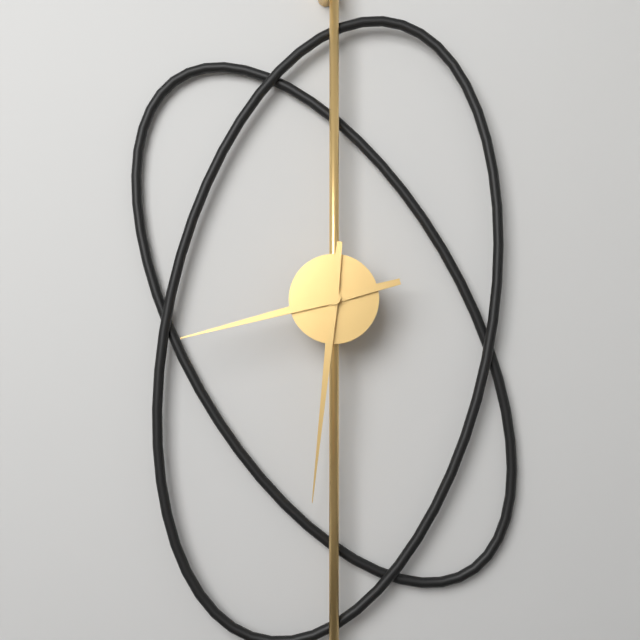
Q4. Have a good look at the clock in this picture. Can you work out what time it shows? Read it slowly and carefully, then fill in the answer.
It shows 8:31
